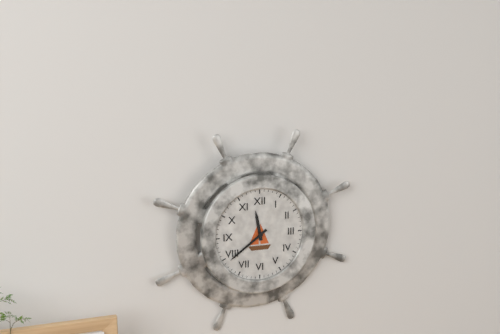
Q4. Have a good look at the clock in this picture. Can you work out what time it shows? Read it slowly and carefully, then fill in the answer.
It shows 11:39
